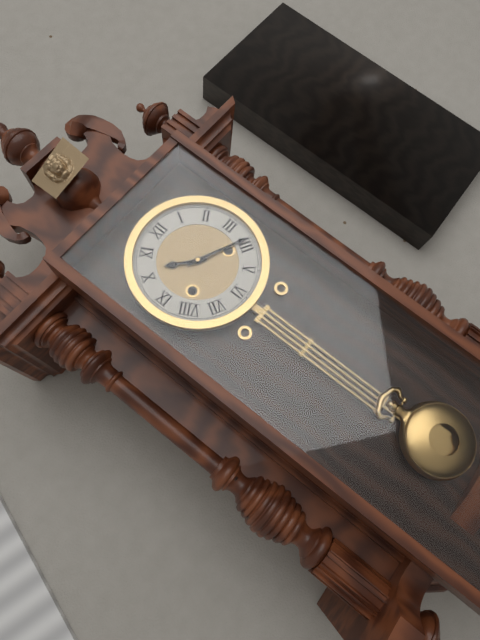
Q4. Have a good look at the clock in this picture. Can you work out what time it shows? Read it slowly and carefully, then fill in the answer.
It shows 10:19
